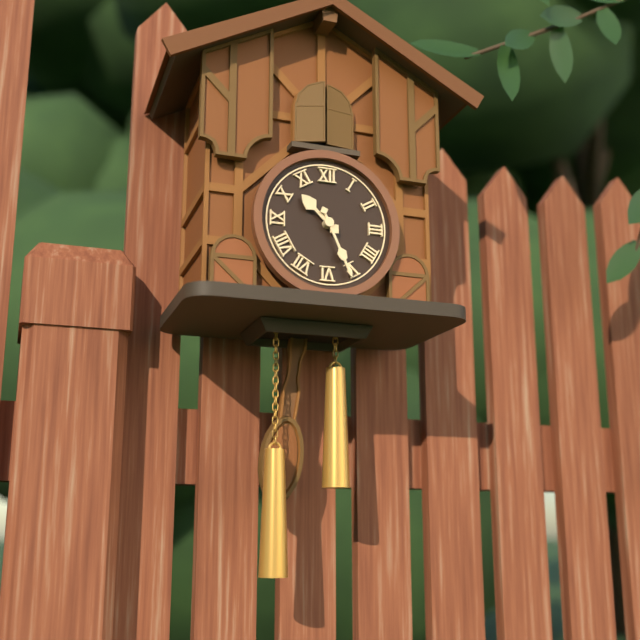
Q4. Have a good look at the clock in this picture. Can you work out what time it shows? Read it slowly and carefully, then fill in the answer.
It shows 10:26
